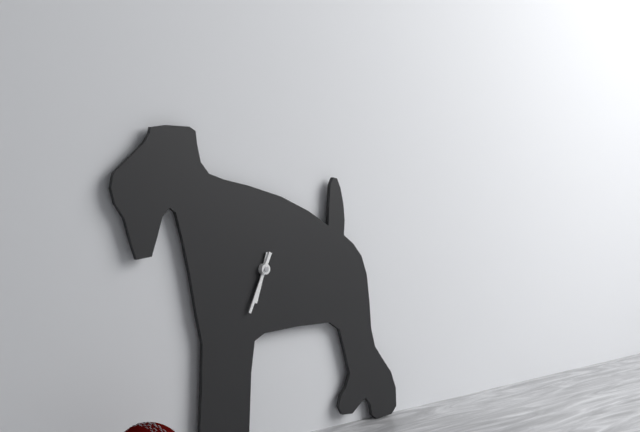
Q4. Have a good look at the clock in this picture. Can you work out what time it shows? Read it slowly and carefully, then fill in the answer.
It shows 6:34
